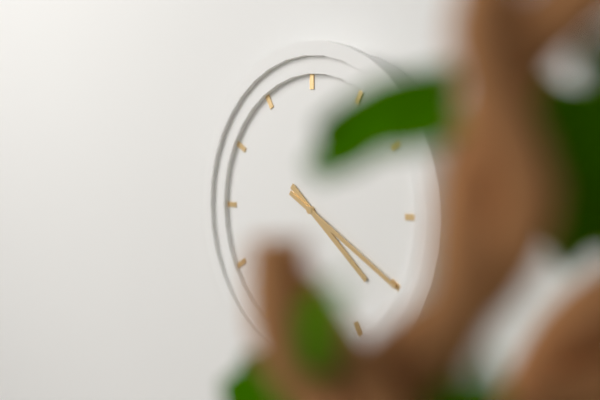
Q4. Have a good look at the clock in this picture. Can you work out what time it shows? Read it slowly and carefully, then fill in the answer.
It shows 4:20
